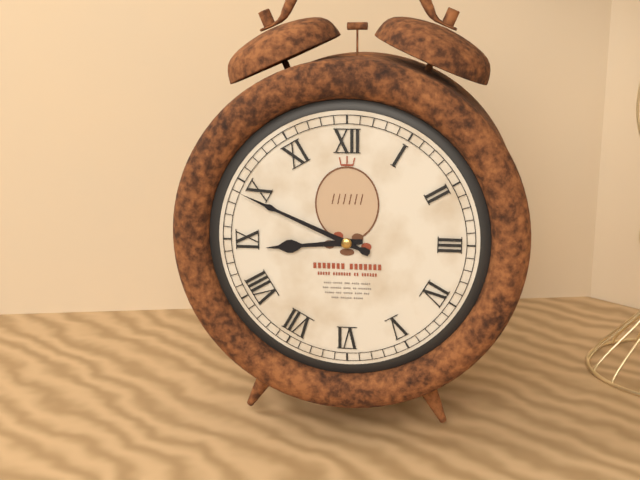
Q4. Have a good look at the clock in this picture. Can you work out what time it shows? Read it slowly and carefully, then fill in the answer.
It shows 8:49
